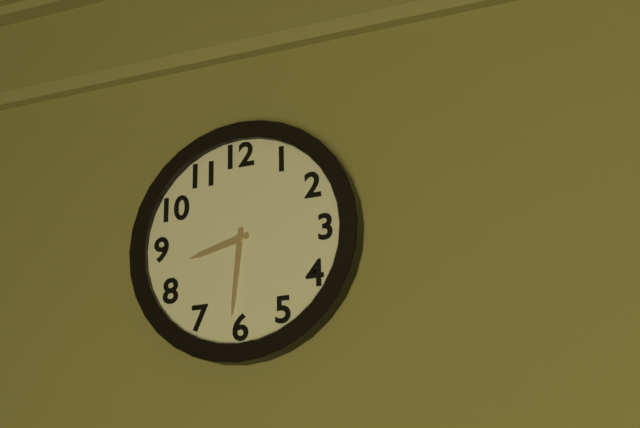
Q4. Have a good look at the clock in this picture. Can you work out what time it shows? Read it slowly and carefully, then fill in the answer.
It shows 8:31
